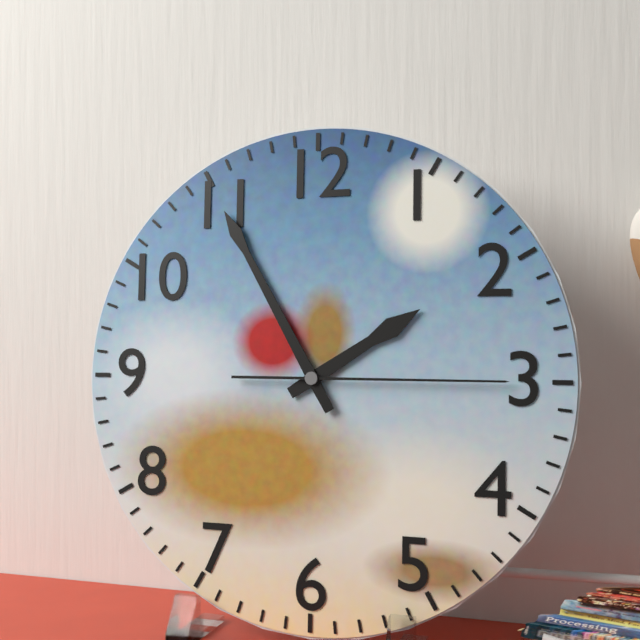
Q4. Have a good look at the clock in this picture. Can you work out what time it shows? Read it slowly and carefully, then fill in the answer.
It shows 1:55:15
